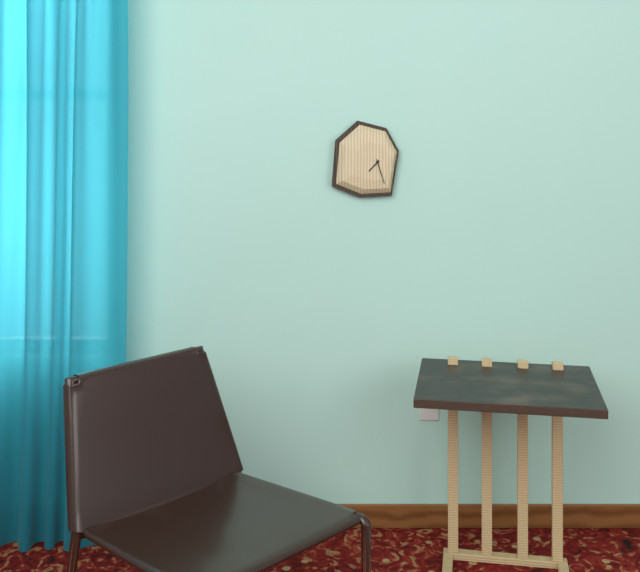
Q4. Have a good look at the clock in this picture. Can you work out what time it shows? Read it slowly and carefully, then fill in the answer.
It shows 7:27
